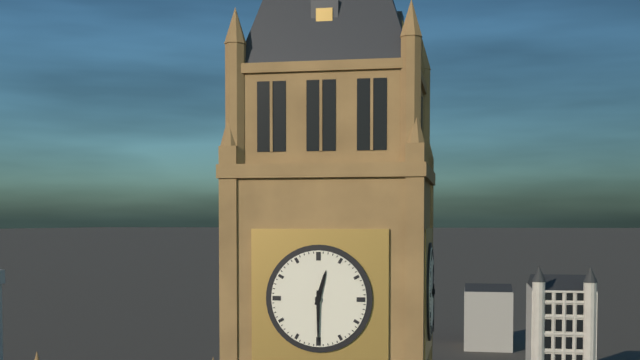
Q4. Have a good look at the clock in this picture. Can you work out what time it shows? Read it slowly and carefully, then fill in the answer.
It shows 12:30
